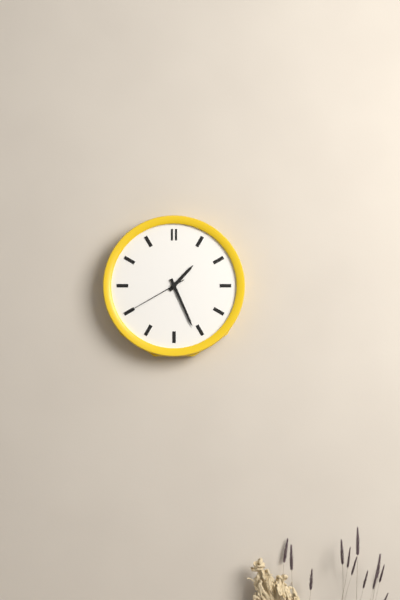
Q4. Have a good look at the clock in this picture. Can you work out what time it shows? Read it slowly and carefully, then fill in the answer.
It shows 1:26:40
